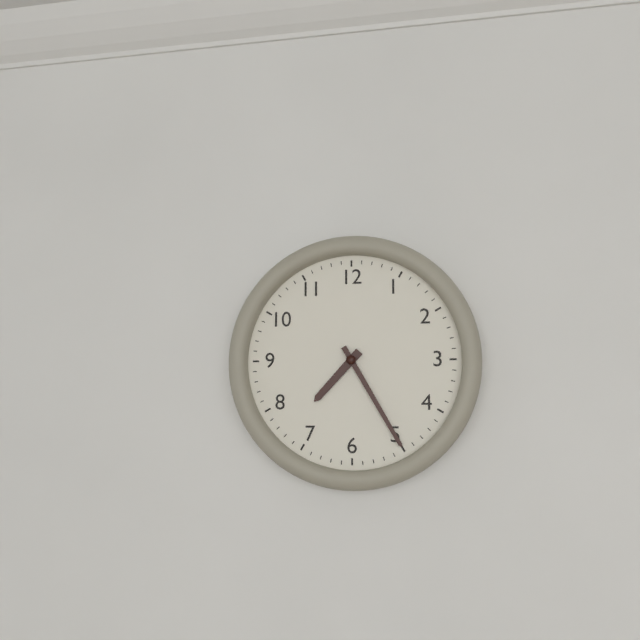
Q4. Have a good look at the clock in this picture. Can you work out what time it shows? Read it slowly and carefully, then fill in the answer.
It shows 7:25
